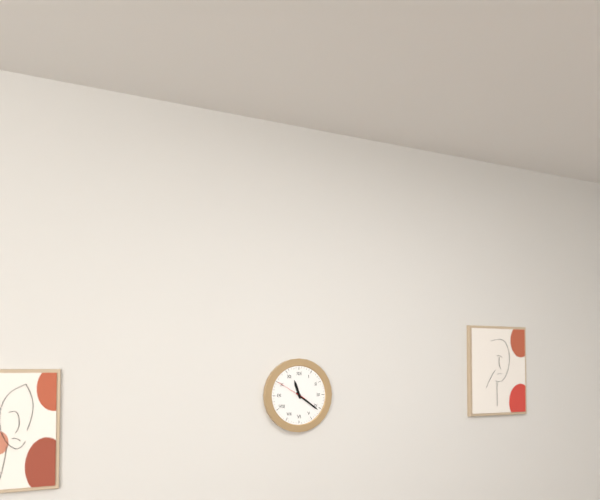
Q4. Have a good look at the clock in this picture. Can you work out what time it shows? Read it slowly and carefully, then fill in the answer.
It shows 11:21
